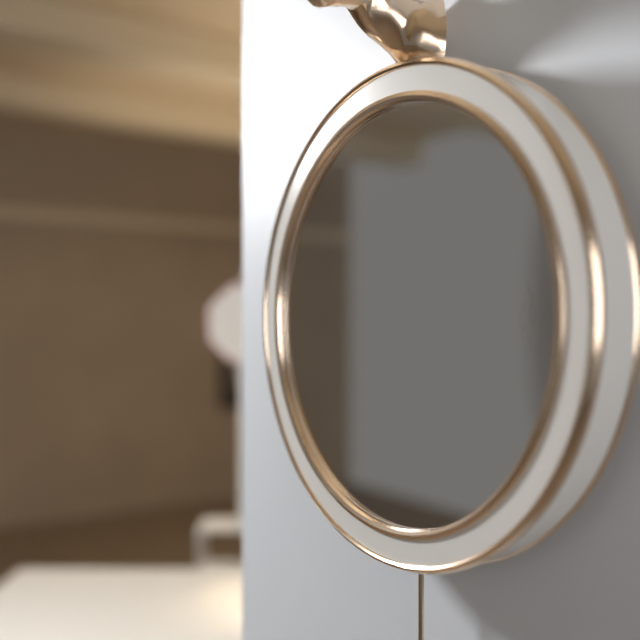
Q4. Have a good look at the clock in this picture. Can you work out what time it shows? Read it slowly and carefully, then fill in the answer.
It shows 5:15
